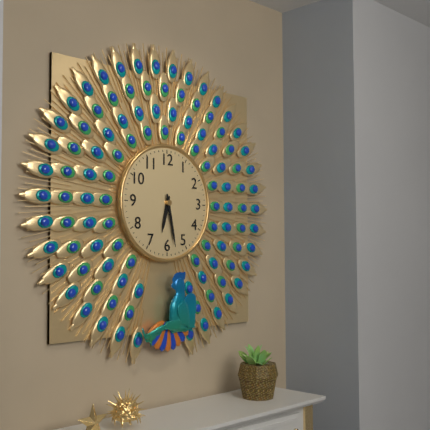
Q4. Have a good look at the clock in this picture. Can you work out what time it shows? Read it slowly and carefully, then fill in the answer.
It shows 6:28
